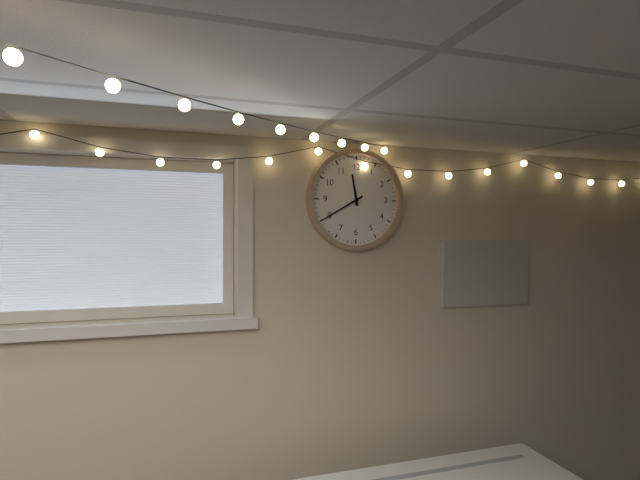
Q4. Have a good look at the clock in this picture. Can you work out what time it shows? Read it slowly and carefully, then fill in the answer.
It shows 11:40
